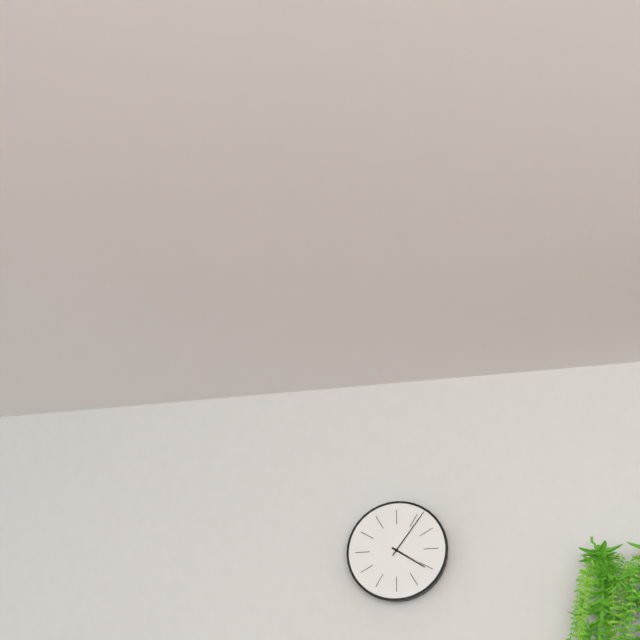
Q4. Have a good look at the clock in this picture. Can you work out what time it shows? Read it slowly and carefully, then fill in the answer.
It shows 4:06
